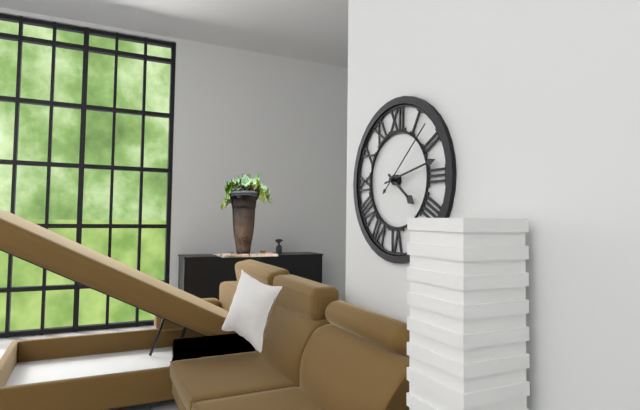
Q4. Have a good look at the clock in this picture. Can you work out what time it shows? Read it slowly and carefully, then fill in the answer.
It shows 4:13:08
